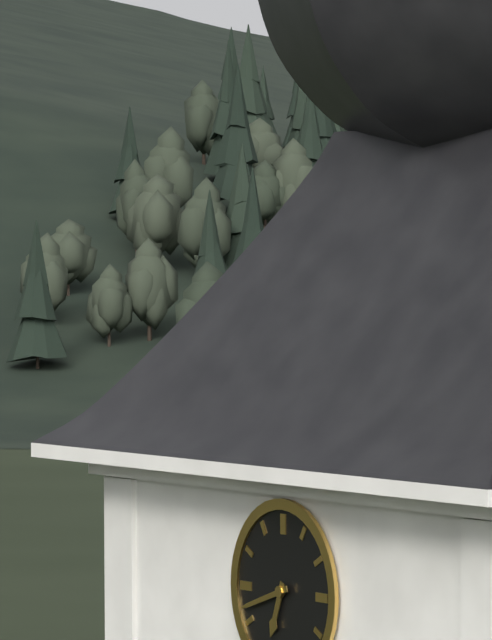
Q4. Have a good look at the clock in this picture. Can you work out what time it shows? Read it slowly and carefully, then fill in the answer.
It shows 6:42
